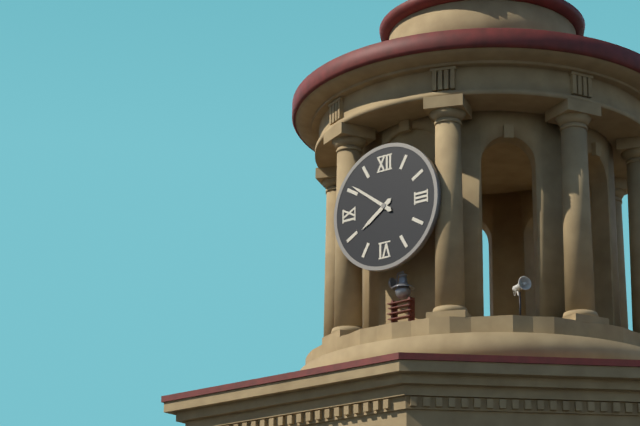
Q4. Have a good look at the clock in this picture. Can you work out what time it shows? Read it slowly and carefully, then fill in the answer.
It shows 7:51
